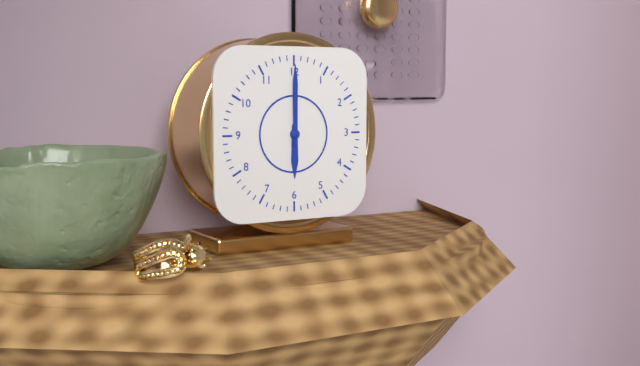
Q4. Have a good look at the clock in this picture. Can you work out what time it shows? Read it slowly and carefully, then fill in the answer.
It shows 6:00
